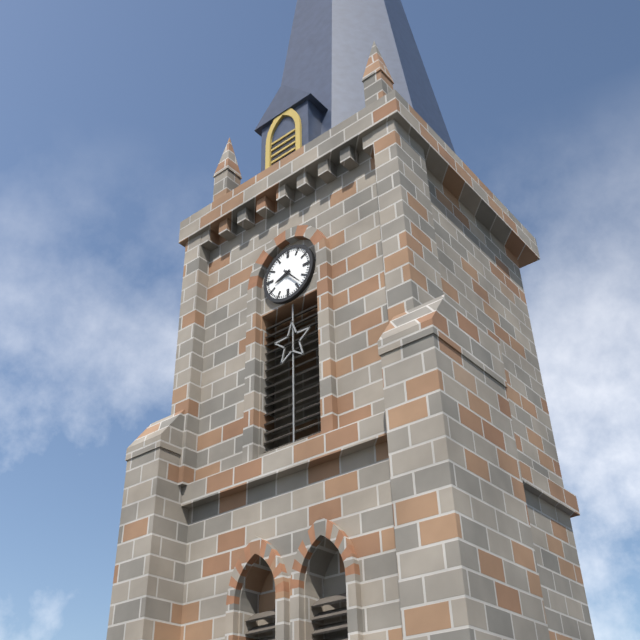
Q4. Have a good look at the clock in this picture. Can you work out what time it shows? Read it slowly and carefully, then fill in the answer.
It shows 8:23
